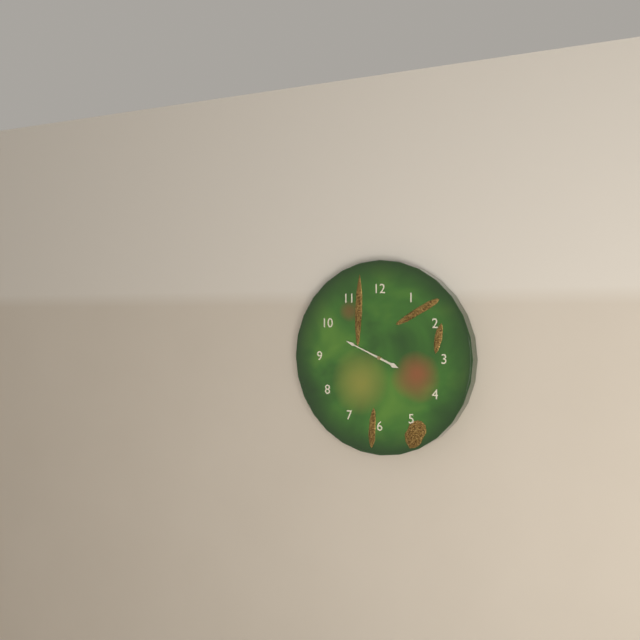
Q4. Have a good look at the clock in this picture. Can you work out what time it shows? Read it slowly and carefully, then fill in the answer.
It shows 3:49
